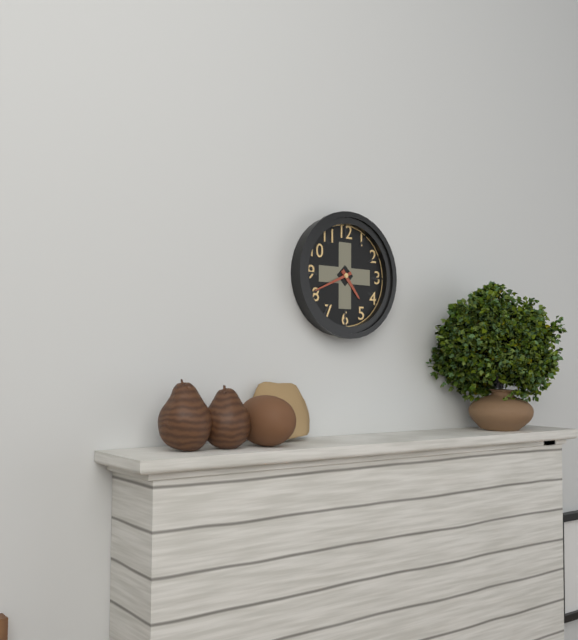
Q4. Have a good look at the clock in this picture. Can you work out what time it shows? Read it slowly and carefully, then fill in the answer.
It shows 4:41
